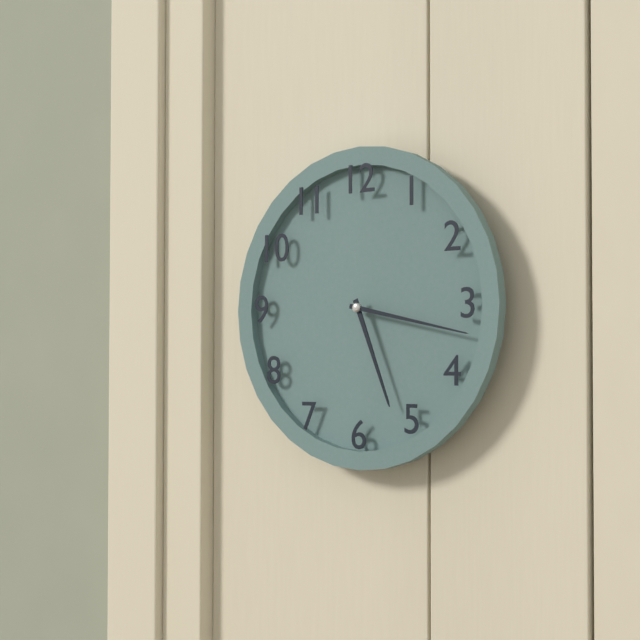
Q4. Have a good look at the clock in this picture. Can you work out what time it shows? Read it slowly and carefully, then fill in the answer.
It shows 5:17
